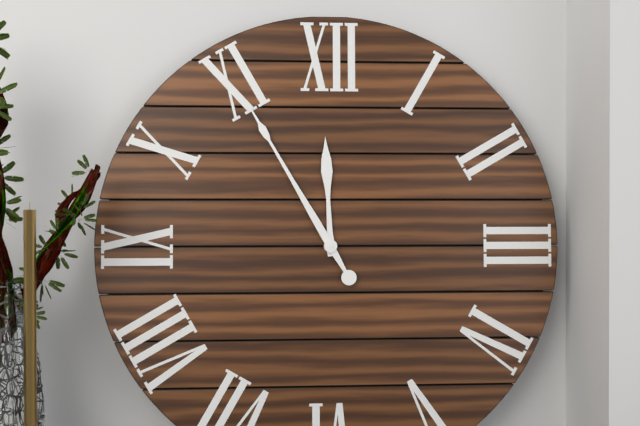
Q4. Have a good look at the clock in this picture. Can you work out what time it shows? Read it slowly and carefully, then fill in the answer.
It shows 11:55
